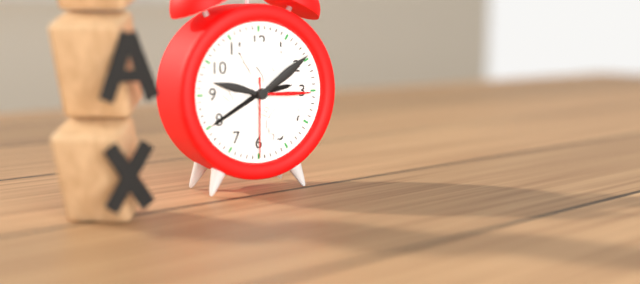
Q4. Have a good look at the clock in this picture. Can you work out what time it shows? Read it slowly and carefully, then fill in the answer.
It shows 2:40:30
